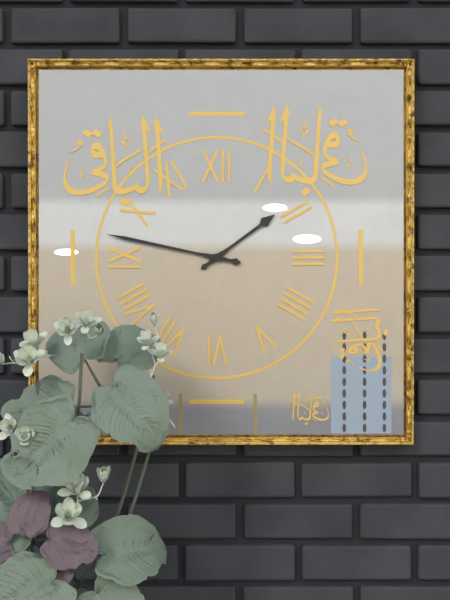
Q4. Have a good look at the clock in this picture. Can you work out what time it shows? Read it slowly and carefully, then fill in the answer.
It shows 1:47
